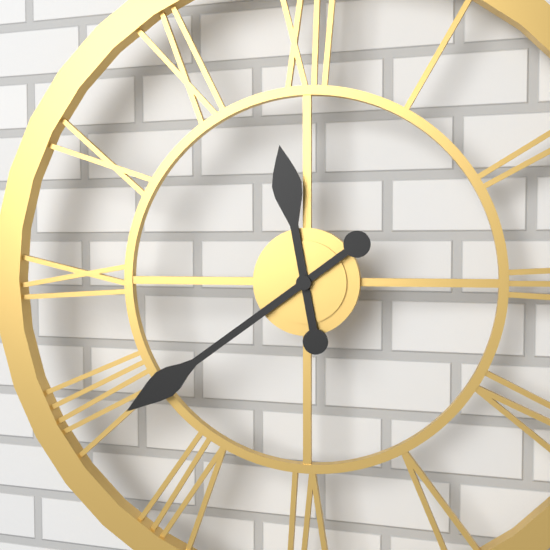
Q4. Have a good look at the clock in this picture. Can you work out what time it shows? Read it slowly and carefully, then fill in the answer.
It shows 11:39
